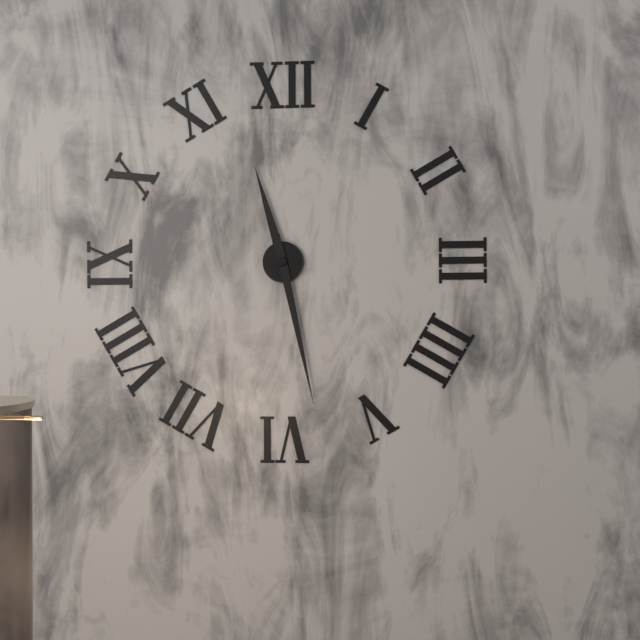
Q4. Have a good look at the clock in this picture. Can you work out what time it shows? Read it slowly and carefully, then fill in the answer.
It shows 11:28
